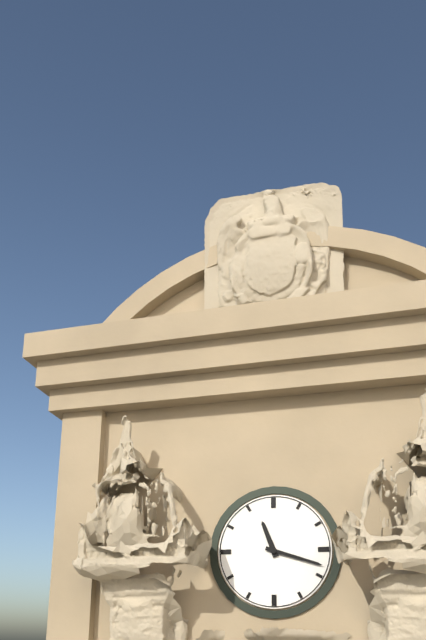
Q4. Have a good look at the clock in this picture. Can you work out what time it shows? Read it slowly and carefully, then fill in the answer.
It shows 11:18
